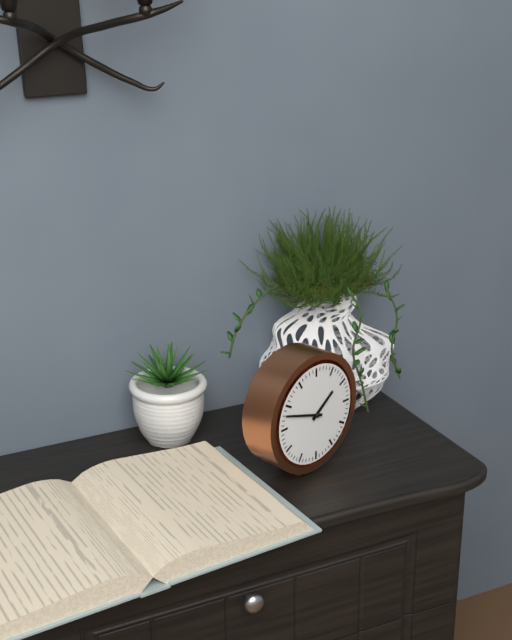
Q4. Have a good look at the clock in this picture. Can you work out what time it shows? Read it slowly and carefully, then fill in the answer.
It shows 1:48
